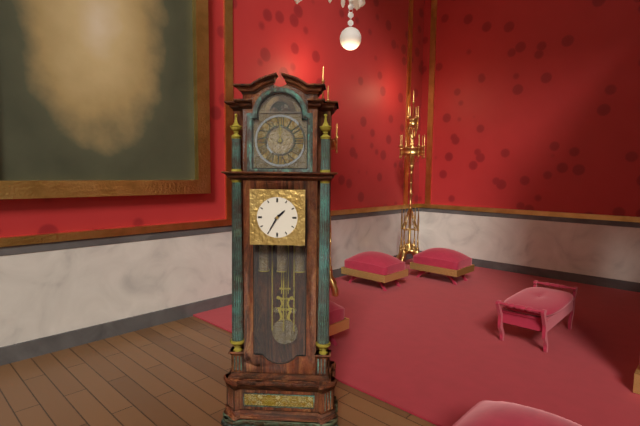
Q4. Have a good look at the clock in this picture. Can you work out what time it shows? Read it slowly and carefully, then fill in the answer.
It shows 1:35
